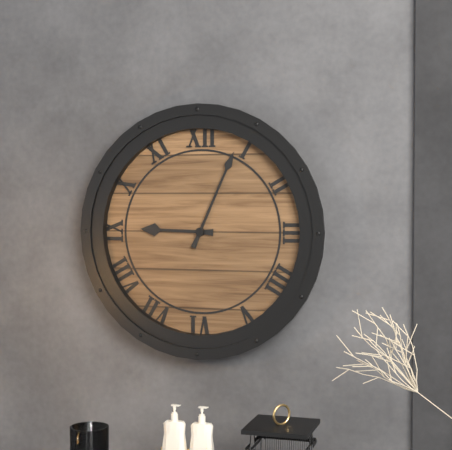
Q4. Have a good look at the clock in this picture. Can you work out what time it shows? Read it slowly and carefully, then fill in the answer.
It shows 9:04
